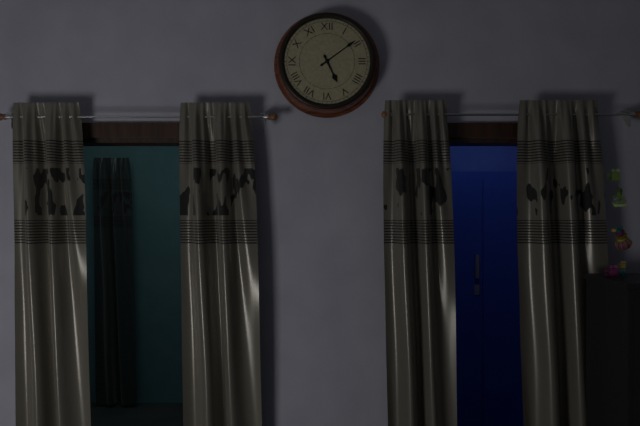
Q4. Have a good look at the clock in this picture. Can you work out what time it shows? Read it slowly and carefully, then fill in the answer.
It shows 5:09
